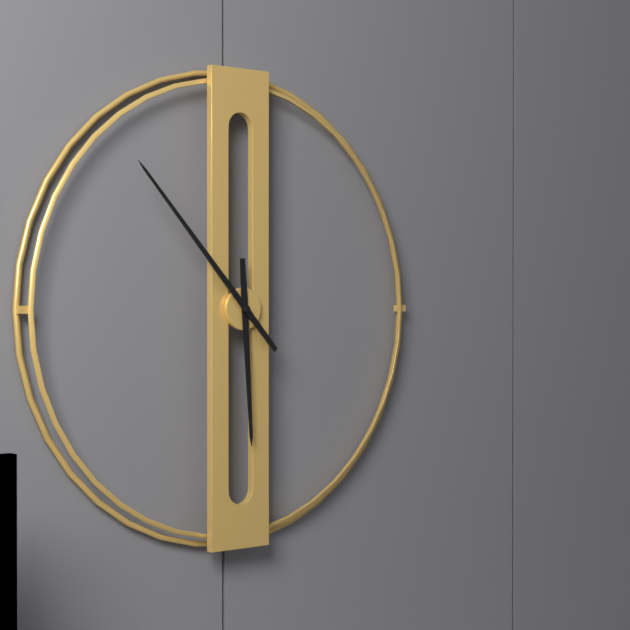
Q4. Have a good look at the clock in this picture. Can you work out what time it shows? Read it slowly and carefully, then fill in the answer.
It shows 5:53
